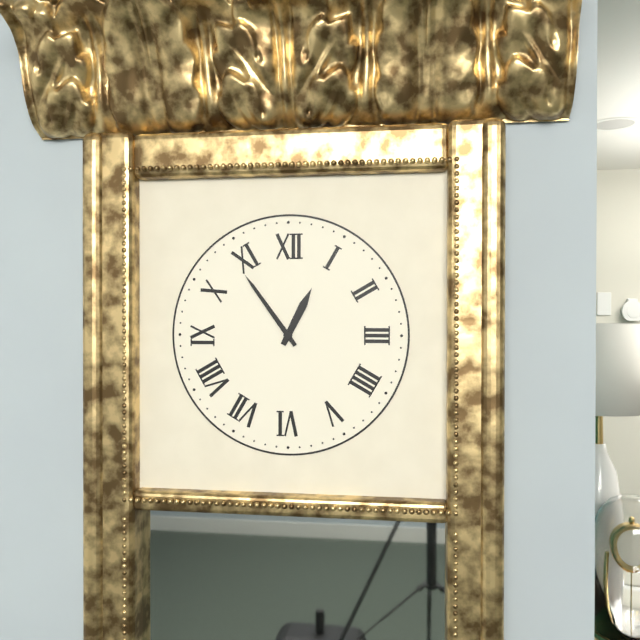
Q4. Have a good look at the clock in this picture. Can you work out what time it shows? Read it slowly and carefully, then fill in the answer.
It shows 12:54
